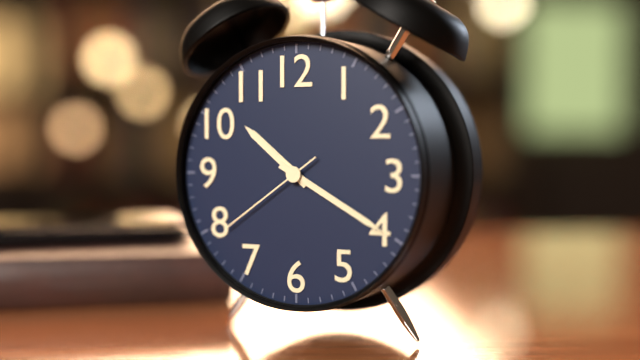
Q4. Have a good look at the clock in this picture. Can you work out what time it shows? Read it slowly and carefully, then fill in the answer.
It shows 10:20:39
